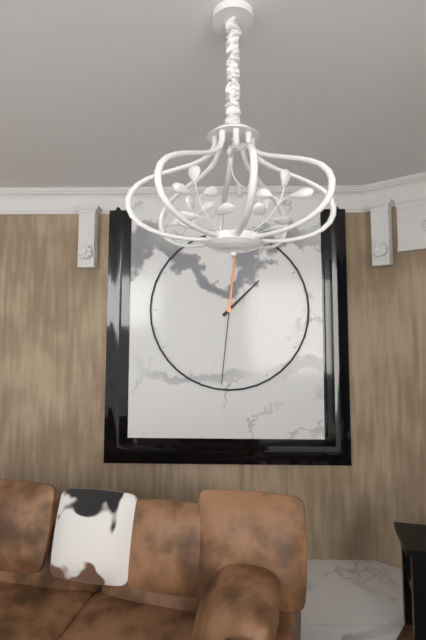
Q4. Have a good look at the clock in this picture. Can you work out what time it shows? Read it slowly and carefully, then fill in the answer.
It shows 1:31
